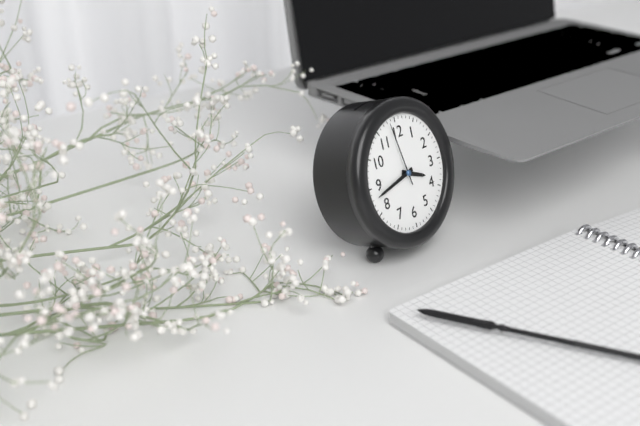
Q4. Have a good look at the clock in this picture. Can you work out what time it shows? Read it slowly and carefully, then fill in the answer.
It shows 3:43:58
